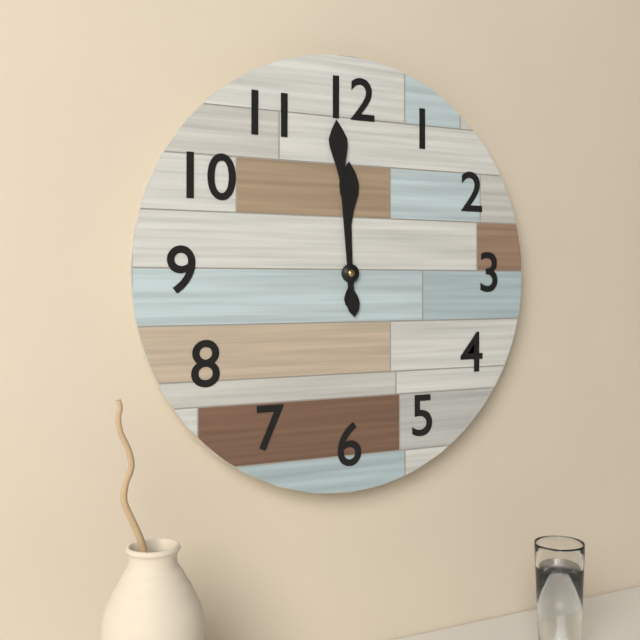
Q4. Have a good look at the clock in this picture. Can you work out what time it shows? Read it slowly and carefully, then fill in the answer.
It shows 11:59
